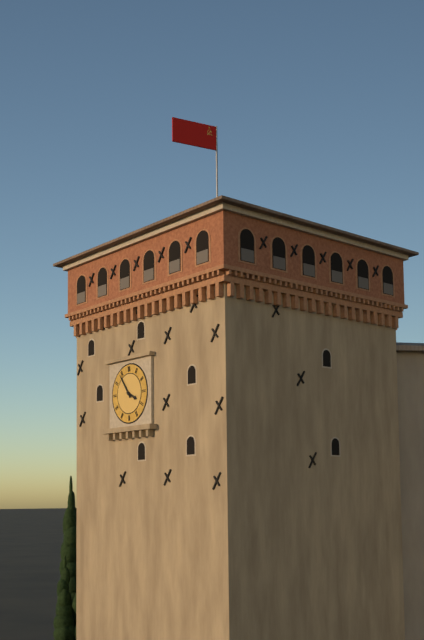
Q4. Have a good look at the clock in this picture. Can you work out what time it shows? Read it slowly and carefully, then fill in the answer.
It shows 3:54
